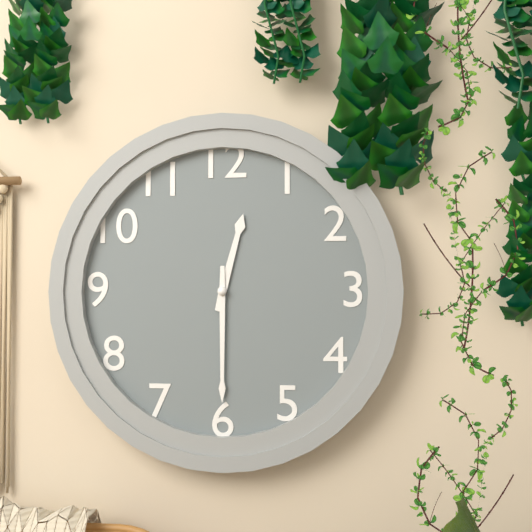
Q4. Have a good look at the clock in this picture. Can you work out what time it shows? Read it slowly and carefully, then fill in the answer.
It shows 12:30
